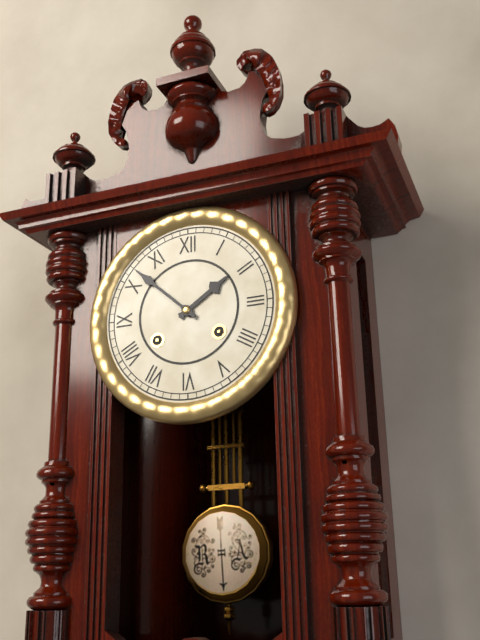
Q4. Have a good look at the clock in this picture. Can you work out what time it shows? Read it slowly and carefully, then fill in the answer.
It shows 1:52
